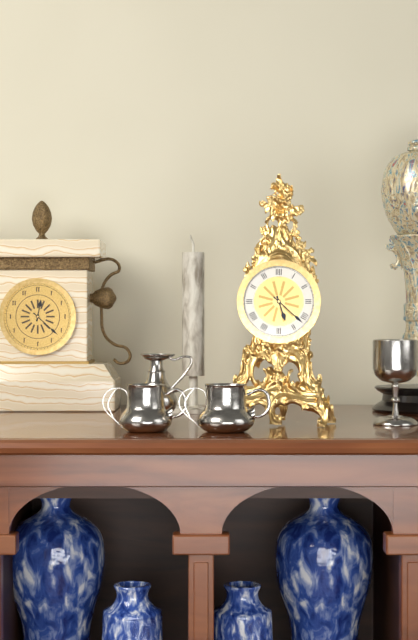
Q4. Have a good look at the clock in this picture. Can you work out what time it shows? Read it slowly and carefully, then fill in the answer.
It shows 5:22
